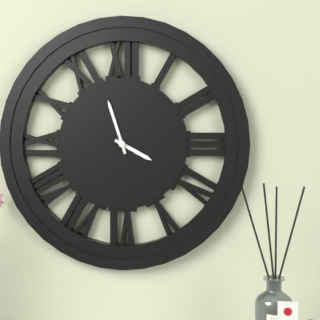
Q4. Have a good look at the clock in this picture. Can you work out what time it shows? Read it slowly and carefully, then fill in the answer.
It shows 3:57
